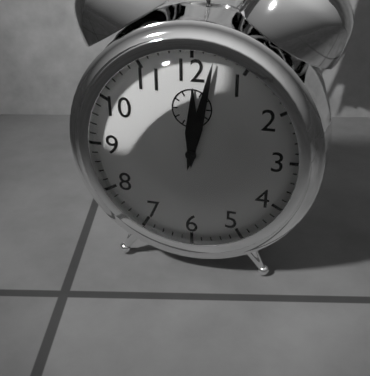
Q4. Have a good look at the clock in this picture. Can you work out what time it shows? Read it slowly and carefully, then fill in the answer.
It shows 12:02
